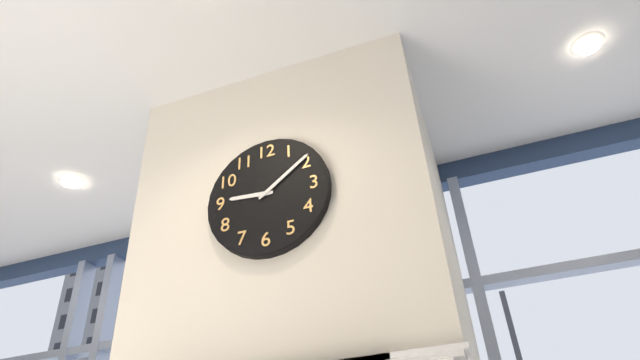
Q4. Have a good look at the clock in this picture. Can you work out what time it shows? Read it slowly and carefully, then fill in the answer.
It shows 9:09
